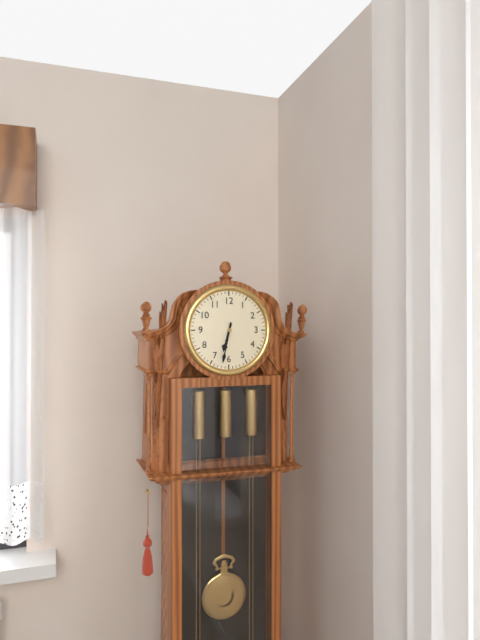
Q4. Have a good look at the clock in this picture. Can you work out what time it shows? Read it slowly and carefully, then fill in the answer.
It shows 6:32
